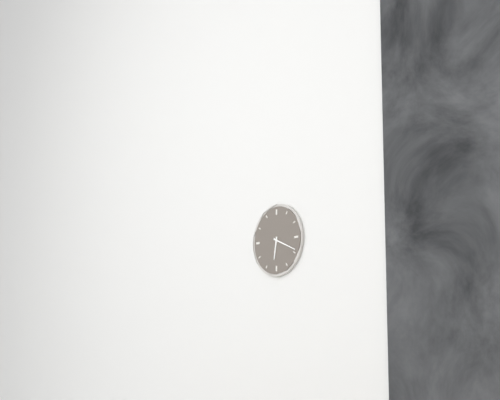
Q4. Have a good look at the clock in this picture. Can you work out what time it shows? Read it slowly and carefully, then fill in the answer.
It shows 6:19
